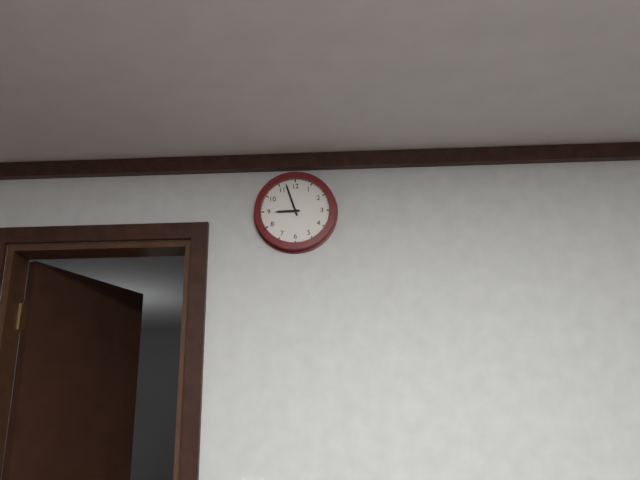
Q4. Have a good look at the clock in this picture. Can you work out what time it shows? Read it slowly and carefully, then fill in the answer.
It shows 8:57
